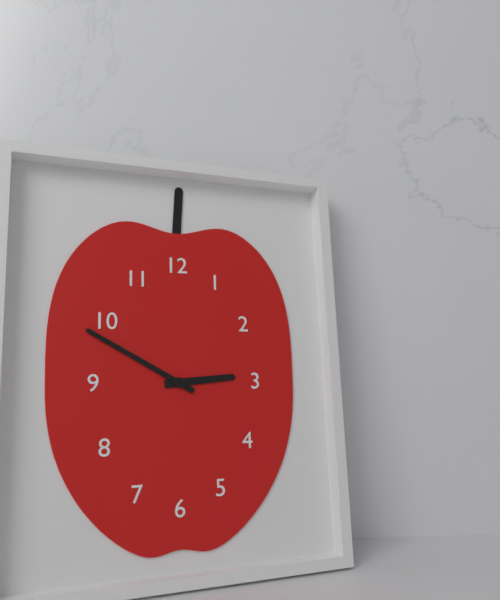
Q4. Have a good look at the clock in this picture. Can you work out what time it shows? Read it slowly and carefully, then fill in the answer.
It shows 2:50
